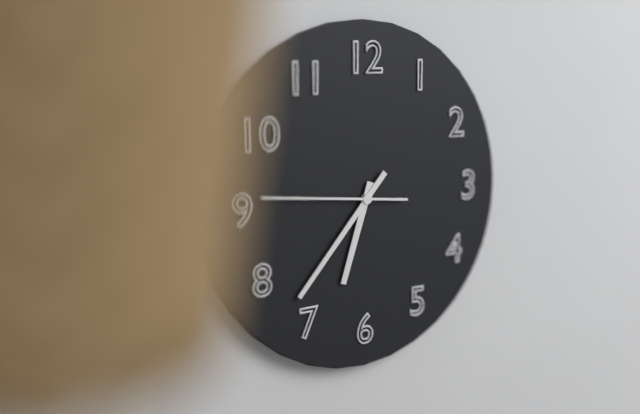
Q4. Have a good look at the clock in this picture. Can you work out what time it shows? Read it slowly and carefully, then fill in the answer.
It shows 6:37:46
